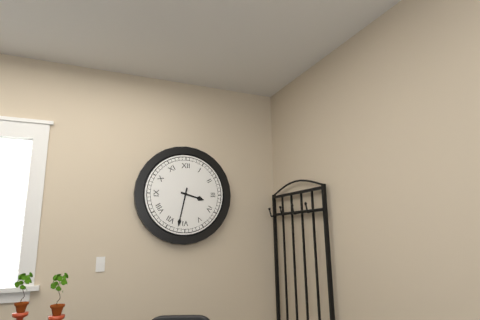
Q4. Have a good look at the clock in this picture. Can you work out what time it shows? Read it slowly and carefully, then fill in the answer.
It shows 3:32
